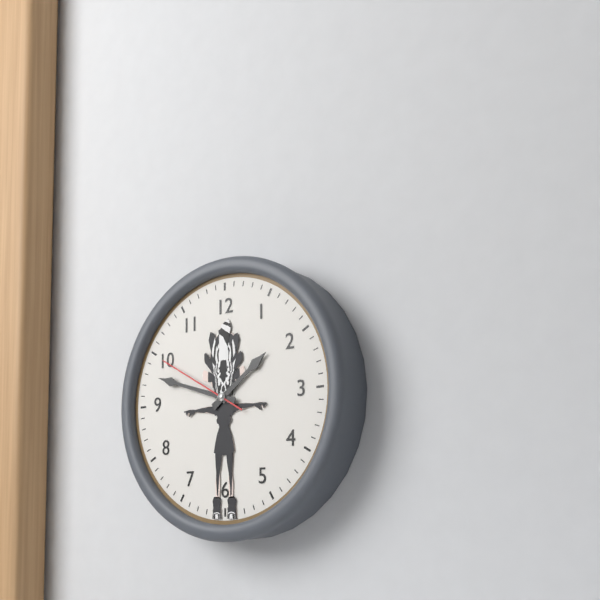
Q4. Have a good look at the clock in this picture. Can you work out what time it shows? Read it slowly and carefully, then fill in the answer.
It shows 1:48:50
